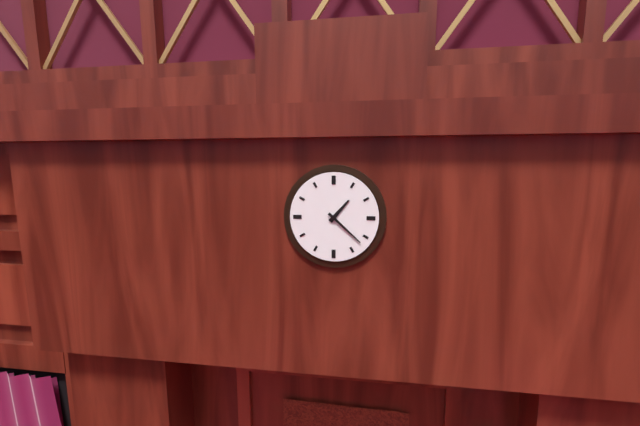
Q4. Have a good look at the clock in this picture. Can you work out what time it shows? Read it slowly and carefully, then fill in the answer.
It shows 1:22
